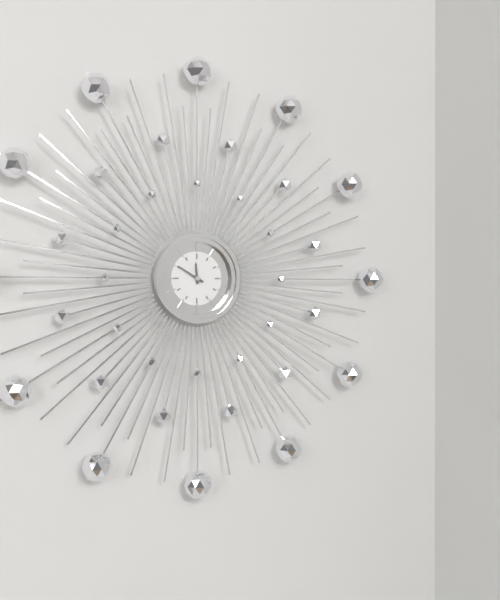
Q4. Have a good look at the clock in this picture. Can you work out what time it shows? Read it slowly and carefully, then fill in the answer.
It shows 11:50
